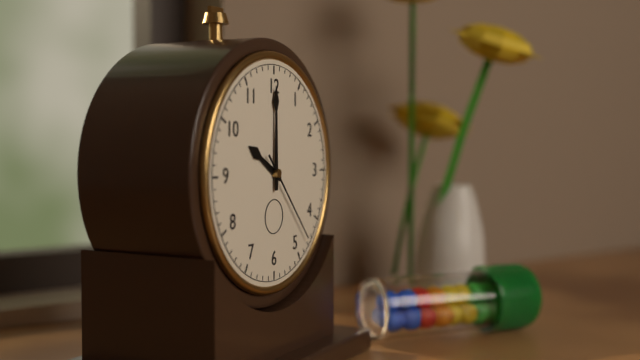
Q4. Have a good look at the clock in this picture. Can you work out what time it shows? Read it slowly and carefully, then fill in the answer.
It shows 10:00:23
